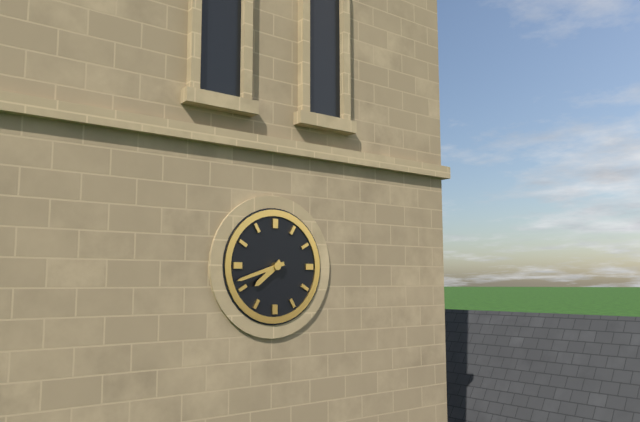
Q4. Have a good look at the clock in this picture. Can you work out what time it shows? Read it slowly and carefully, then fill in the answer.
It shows 7:42
